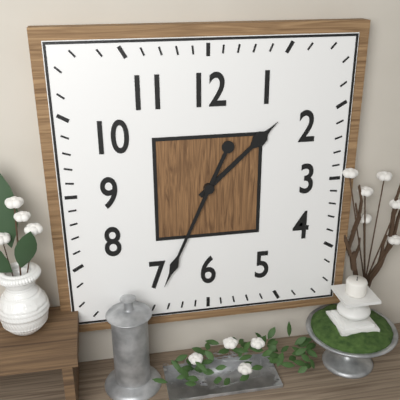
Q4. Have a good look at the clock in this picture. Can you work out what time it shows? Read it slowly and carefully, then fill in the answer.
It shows 1:34
